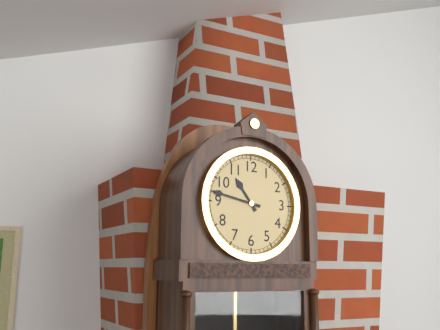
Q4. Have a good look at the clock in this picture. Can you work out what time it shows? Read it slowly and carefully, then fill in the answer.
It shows 10:47
